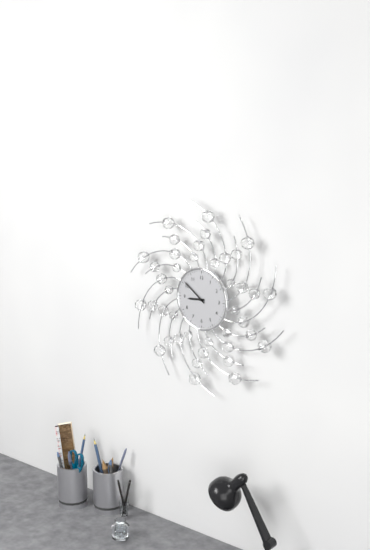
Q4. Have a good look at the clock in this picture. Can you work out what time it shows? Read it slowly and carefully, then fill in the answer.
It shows 8:51
